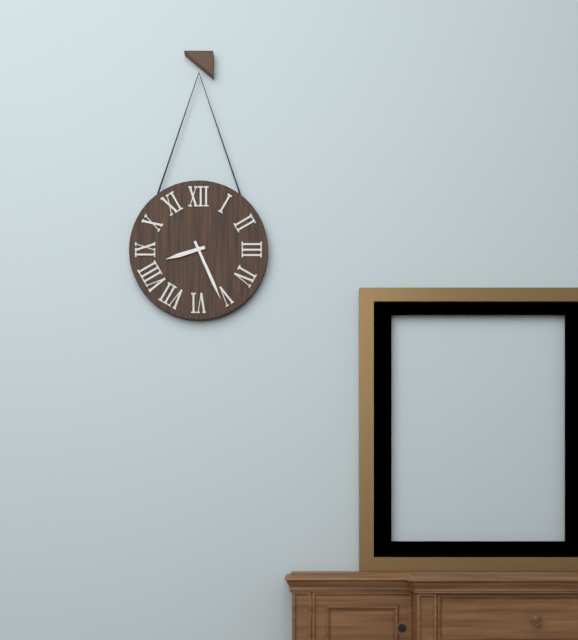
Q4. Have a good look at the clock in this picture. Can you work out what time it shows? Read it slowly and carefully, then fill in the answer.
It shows 8:26
